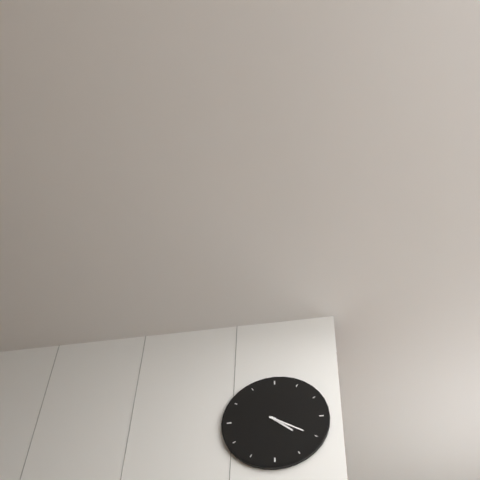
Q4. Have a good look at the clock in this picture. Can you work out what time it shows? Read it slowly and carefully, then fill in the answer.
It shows 4:20
